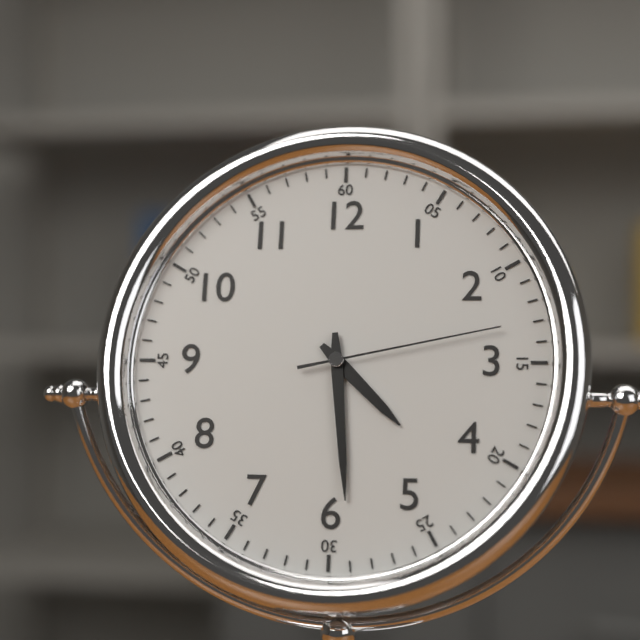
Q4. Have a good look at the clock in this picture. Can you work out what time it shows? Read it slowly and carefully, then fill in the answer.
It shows 4:29:13
